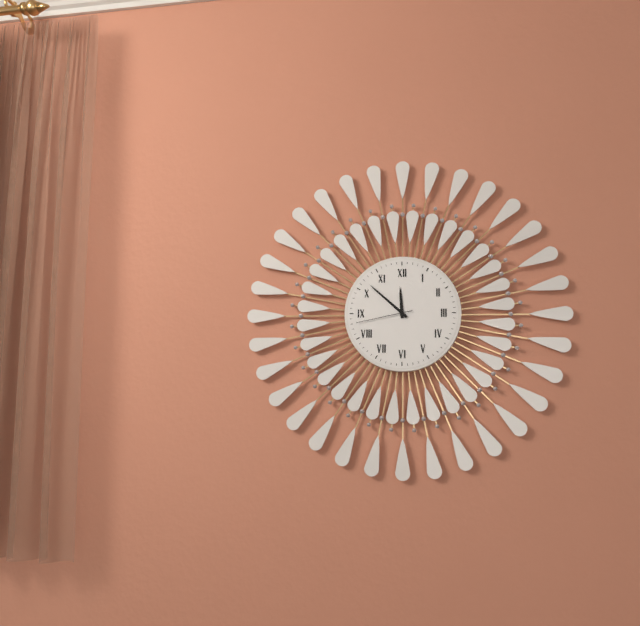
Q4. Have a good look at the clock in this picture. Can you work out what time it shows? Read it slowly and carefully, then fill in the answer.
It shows 11:52:43
